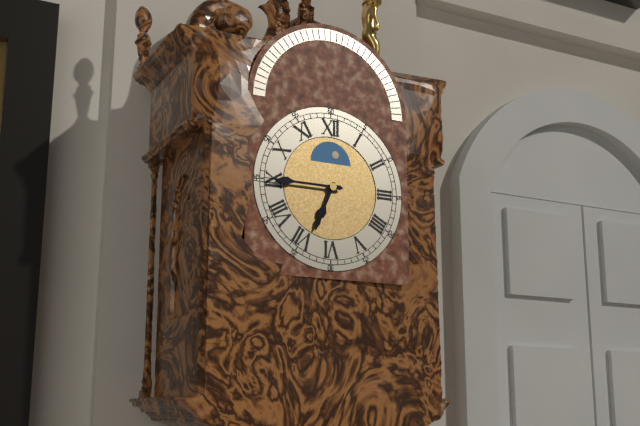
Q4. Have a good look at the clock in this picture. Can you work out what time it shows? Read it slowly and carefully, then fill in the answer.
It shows 6:45
